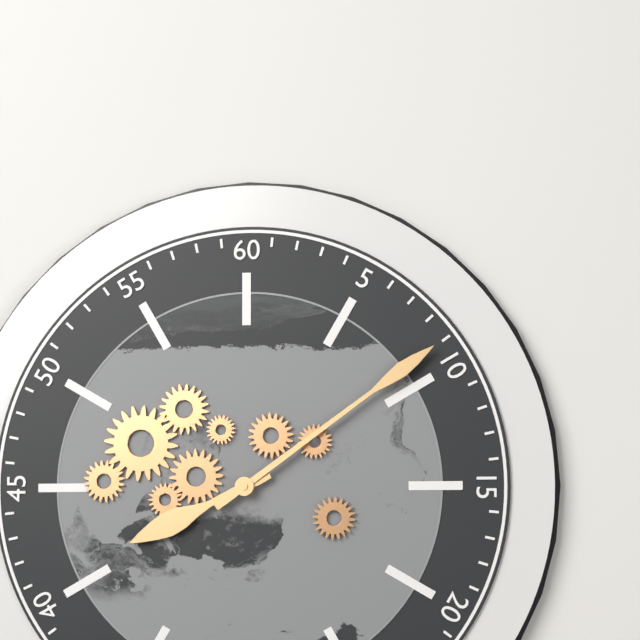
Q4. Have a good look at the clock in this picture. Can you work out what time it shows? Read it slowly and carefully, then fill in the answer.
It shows 8:09
